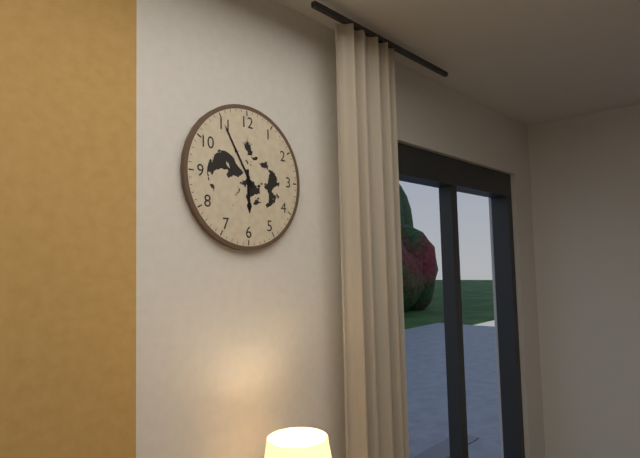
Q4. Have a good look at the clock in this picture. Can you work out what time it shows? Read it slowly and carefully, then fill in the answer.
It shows 5:55
